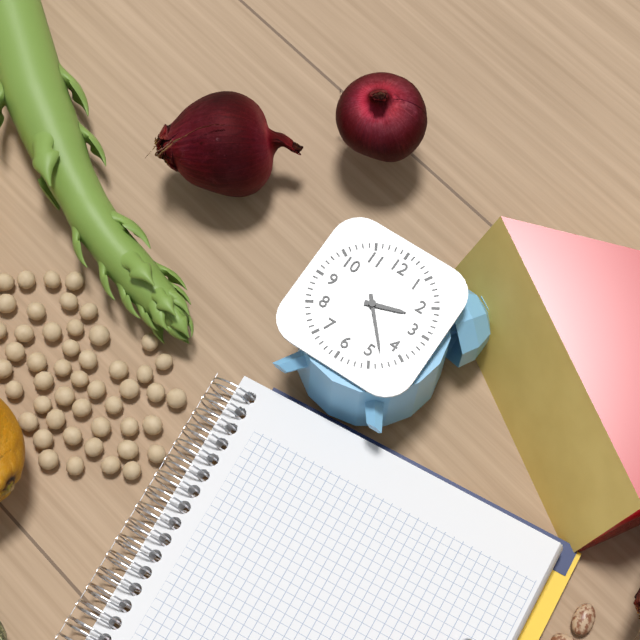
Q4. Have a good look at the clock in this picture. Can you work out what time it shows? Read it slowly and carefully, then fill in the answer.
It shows 2:23
